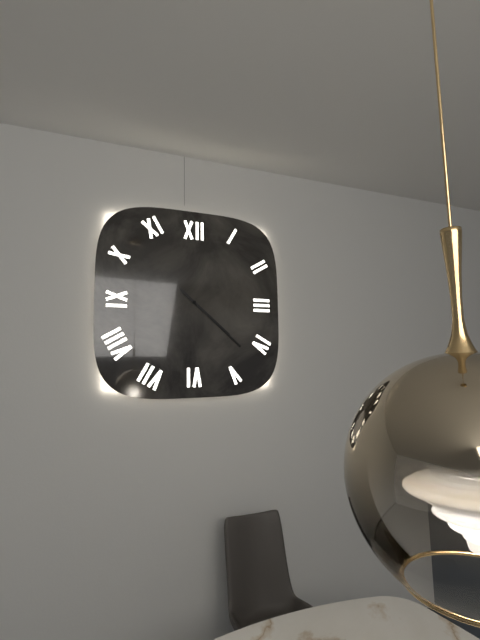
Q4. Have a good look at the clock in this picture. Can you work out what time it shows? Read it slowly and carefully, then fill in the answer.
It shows 4:22
